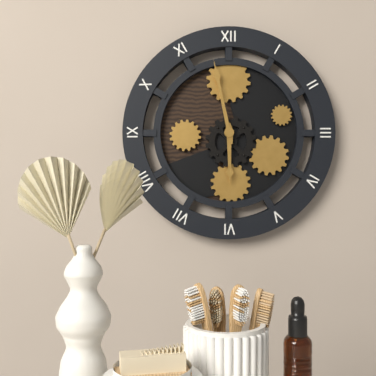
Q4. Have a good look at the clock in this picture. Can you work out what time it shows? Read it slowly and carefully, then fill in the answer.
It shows 5:58
